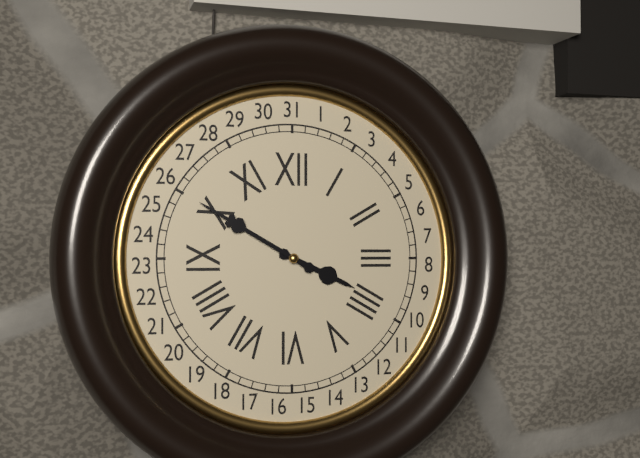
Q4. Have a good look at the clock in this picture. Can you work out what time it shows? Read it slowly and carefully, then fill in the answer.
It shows 3:50
